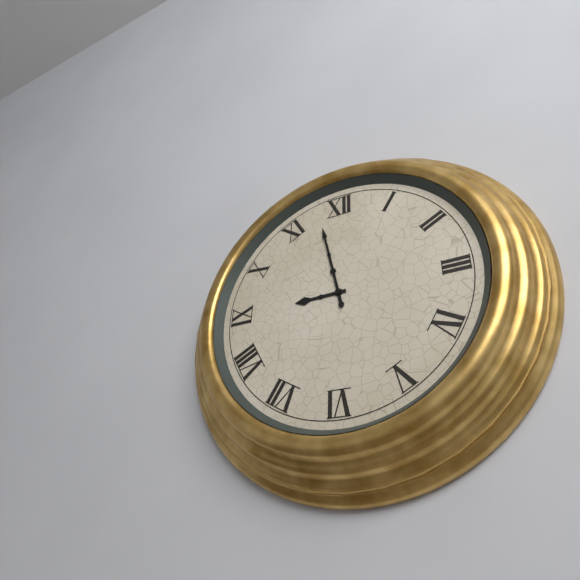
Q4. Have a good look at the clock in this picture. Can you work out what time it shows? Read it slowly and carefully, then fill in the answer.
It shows 8:58
